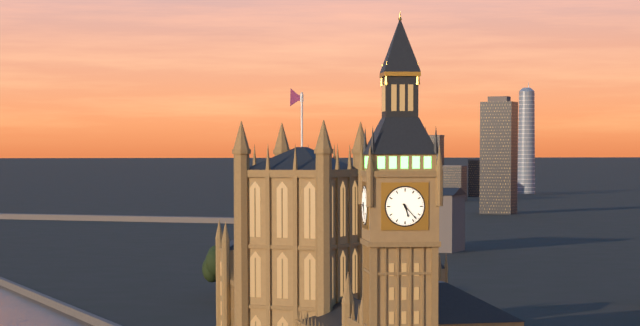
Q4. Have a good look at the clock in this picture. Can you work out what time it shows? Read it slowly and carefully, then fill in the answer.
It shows 5:23
